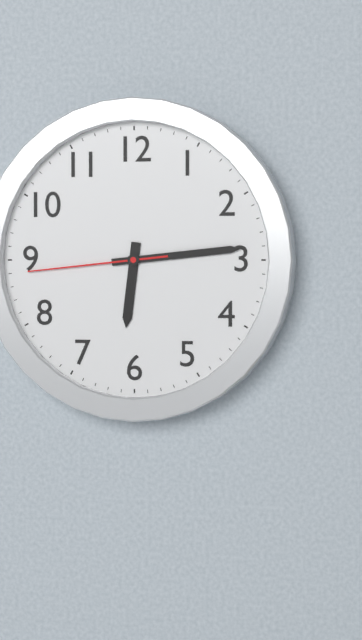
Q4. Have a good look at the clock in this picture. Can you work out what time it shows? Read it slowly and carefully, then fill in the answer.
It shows 6:14:44
